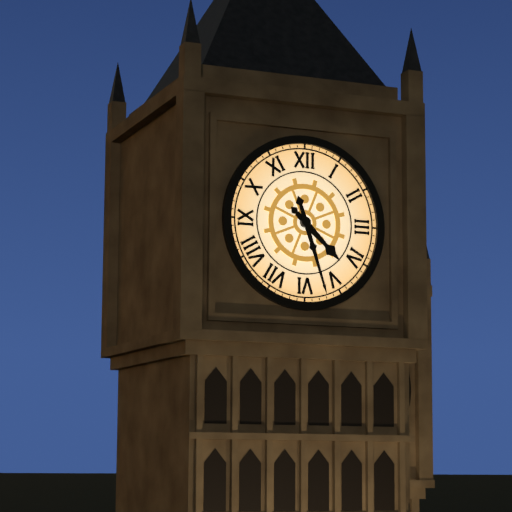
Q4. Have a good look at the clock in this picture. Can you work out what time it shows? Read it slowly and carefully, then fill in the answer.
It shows 4:27
